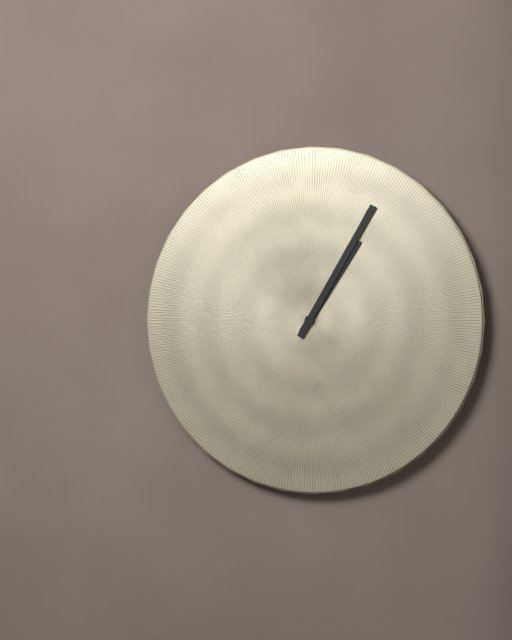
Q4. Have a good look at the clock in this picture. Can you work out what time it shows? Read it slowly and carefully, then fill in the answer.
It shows 1:05
